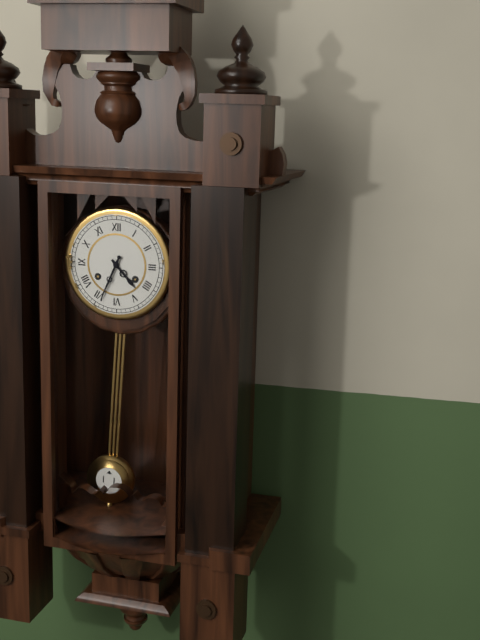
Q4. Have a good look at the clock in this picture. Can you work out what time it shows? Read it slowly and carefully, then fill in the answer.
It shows 4:34
